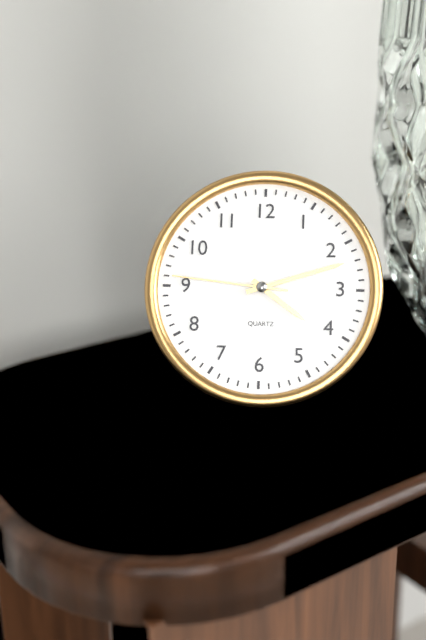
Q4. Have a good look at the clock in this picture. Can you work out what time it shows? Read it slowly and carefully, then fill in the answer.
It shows 4:12:46
